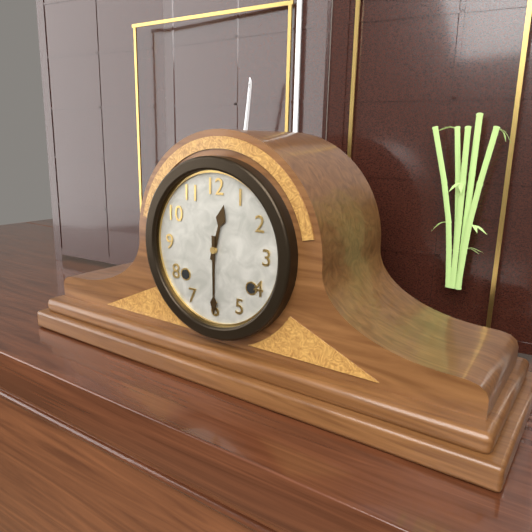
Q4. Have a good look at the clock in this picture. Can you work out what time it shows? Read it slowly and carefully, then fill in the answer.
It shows 12:30
